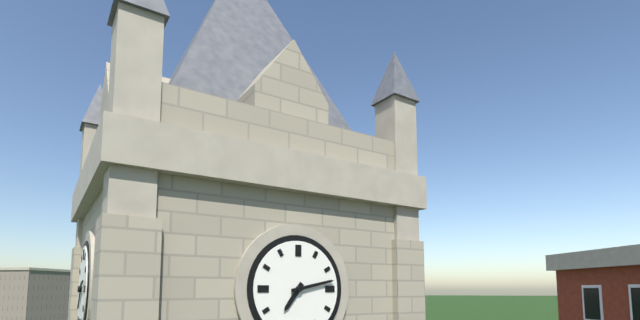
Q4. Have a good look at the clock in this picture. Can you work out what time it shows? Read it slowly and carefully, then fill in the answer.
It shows 7:13
